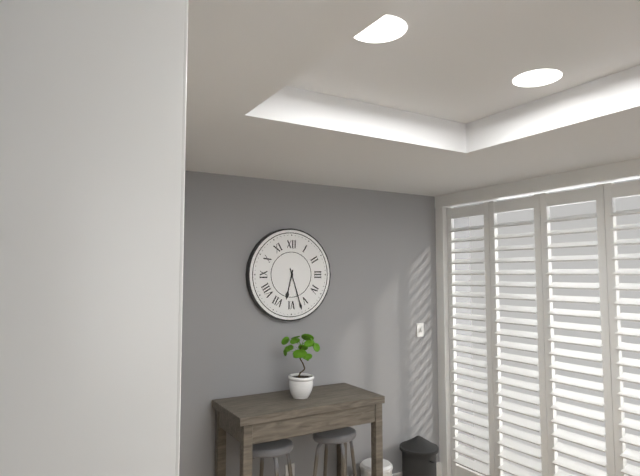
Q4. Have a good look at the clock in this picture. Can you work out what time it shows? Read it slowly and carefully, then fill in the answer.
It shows 6:27
